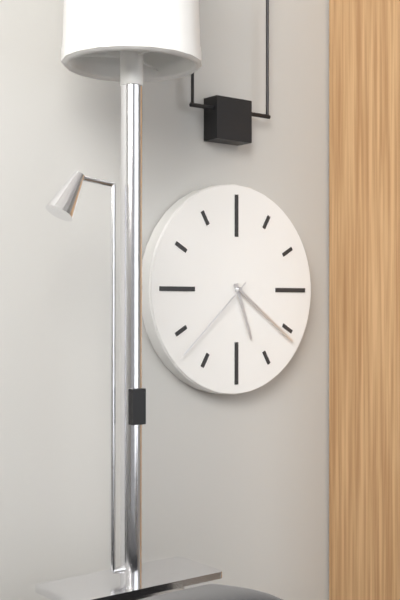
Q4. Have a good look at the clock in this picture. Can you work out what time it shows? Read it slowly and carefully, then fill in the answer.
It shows 5:21:38
